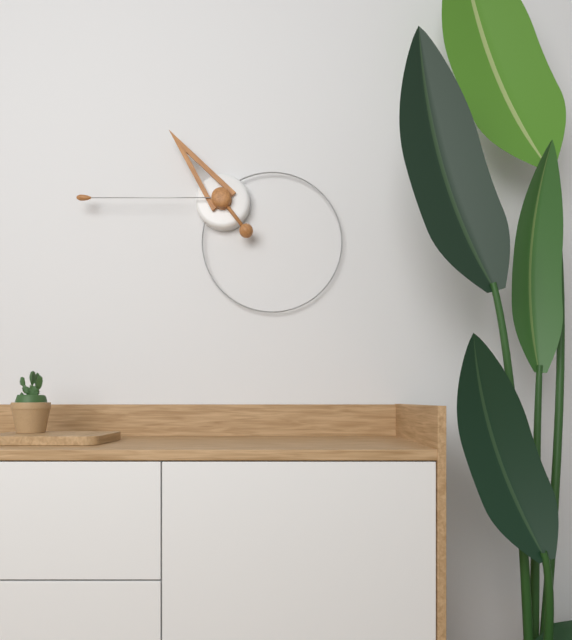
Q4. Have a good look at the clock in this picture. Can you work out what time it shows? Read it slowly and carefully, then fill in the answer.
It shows 10:45
